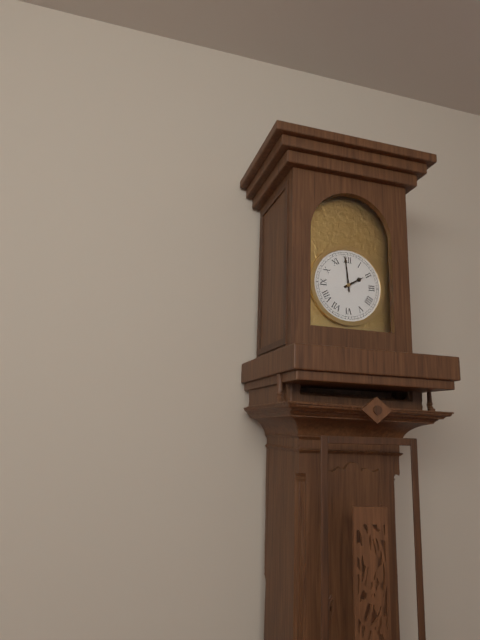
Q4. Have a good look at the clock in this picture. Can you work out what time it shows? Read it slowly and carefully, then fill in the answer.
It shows 1:59
